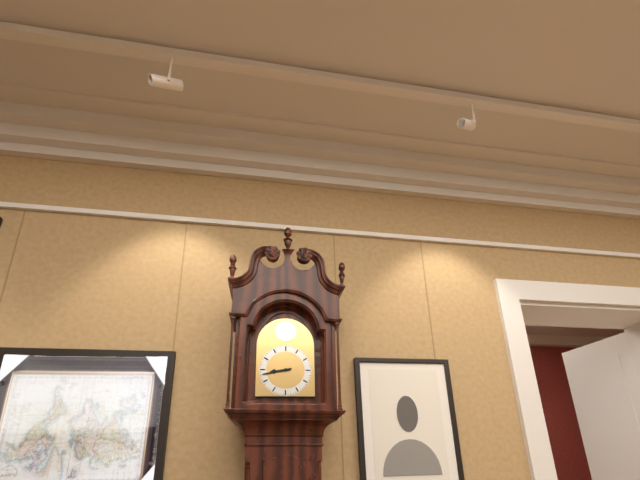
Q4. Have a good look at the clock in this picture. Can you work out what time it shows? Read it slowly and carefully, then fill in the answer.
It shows 8:43
